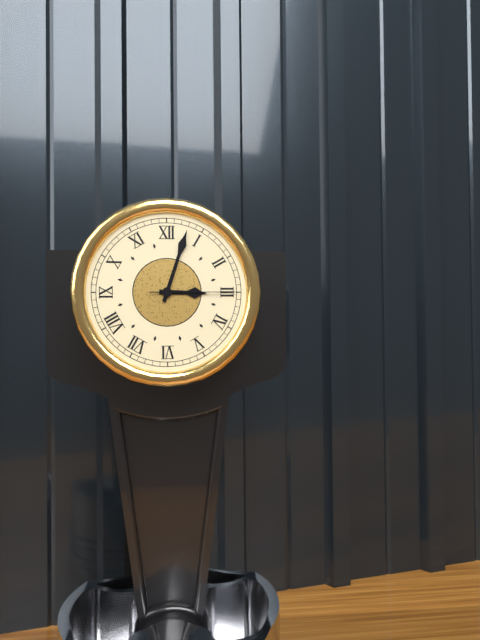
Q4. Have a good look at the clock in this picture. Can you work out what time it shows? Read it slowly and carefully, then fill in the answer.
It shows 3:03:15
